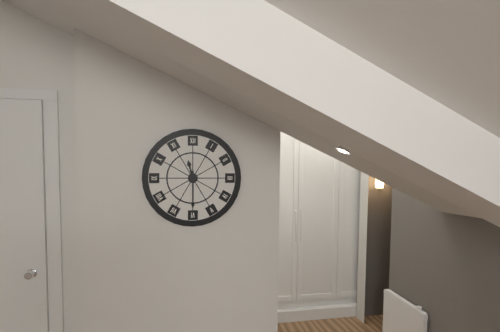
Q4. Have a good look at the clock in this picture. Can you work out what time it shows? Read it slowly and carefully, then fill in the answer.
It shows 11:30
